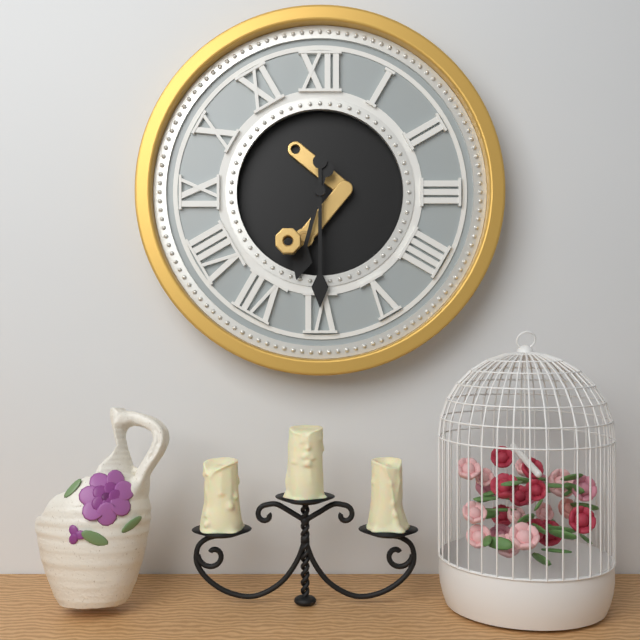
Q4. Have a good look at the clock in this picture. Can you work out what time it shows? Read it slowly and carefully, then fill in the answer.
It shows 6:30
